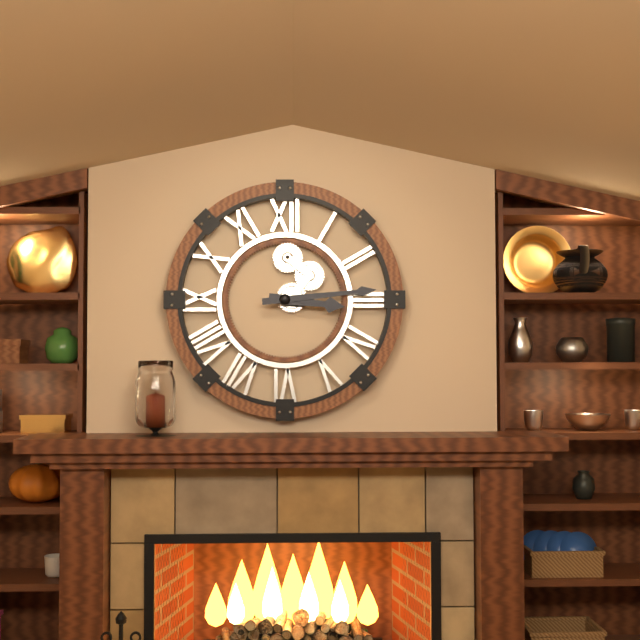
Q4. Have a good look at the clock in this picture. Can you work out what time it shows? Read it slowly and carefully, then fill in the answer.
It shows 3:14
